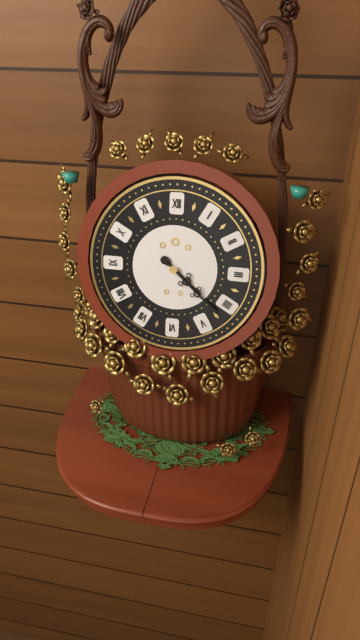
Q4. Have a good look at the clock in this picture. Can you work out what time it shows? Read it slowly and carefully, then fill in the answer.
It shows 4:22
